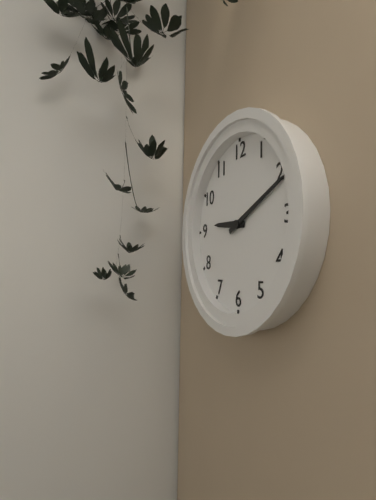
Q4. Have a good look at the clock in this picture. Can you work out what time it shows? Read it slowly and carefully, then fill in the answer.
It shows 9:11
